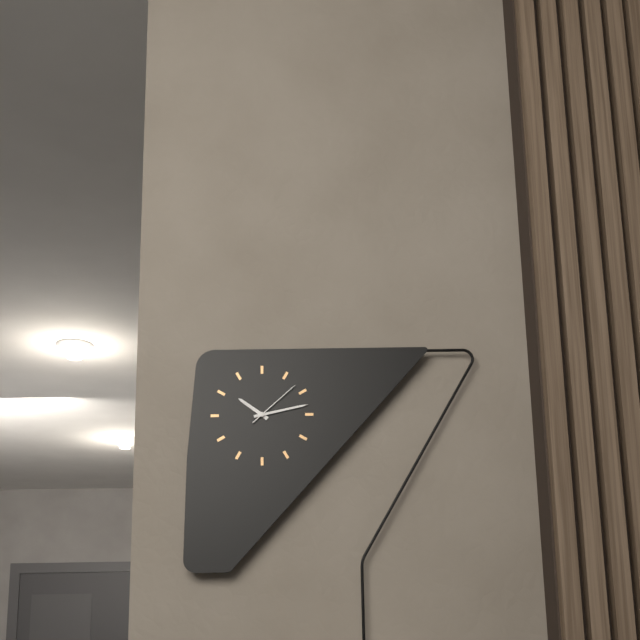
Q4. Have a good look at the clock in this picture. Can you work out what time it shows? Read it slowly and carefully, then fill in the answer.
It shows 10:13:08
